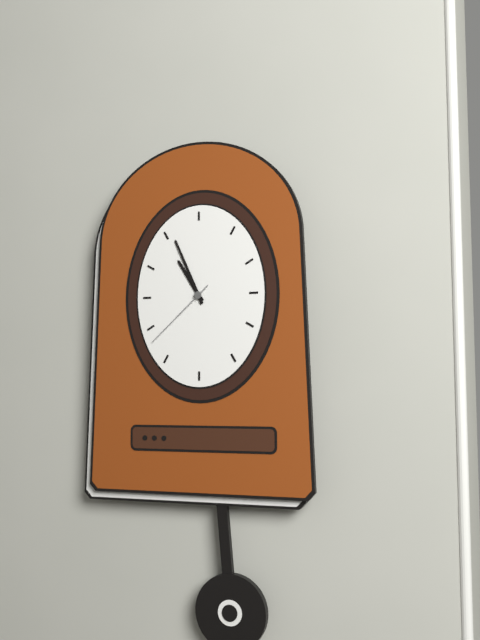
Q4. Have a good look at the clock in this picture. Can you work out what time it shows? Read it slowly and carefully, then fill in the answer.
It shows 10:56:38
